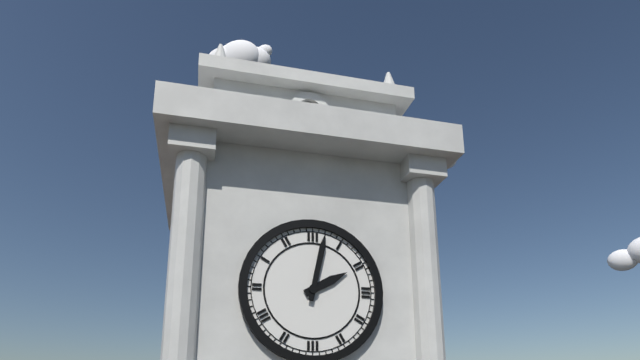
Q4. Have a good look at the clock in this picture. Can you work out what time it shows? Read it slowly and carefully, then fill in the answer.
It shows 2:02
